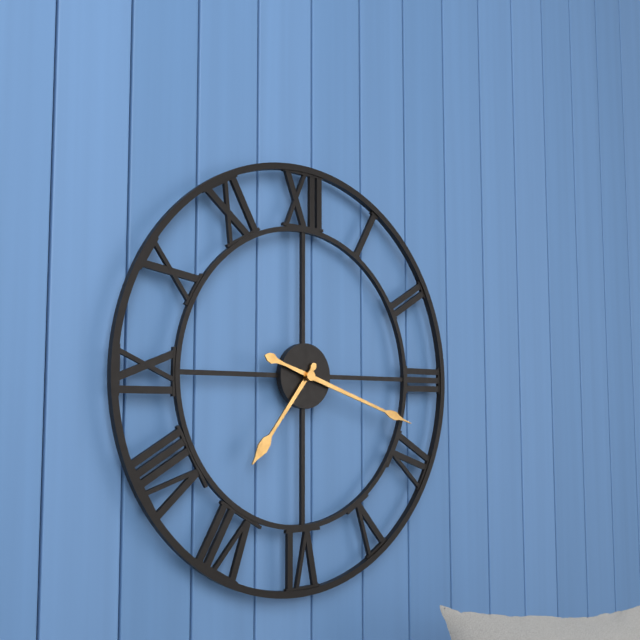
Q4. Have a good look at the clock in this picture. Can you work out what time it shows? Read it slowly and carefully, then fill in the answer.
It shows 7:18
